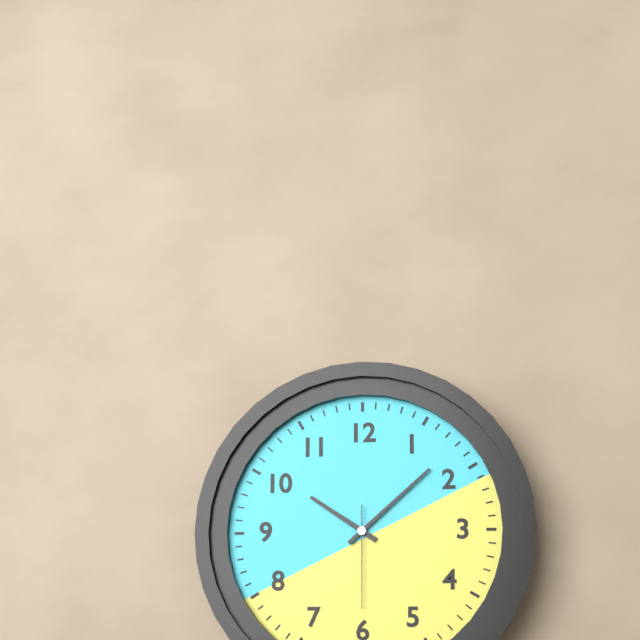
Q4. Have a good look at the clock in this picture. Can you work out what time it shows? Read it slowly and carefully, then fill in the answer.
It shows 10:08:30
